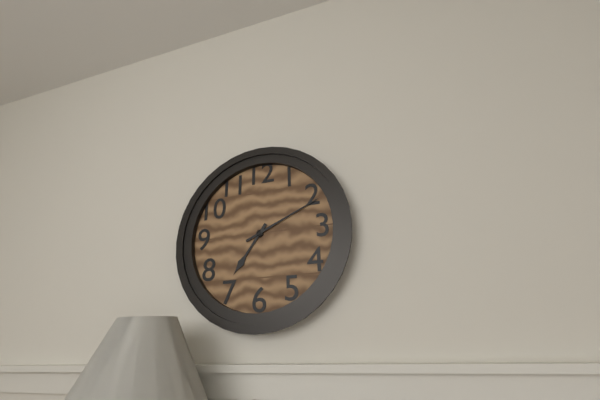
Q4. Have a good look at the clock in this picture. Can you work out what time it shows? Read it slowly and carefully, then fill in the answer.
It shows 7:11
